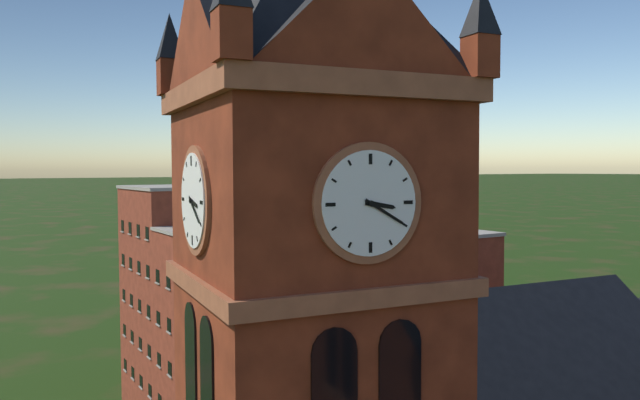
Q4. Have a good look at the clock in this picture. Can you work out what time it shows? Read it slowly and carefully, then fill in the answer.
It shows 3:20
